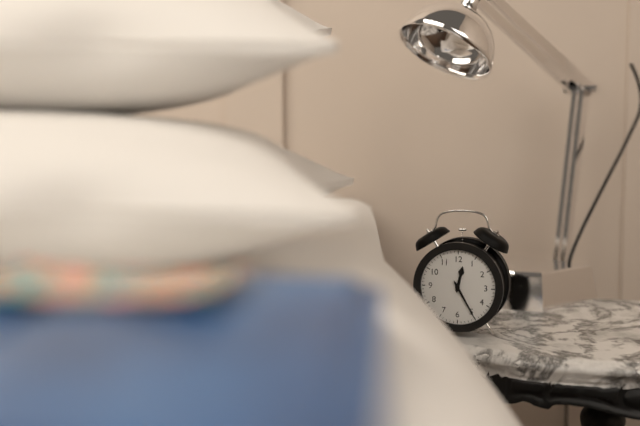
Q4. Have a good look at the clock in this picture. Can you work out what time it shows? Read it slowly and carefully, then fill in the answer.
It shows 12:25
